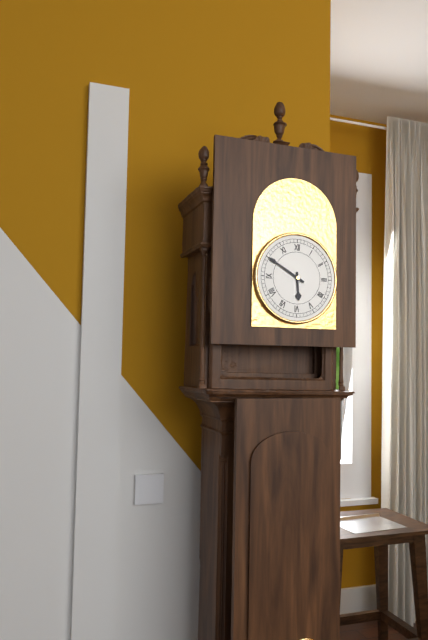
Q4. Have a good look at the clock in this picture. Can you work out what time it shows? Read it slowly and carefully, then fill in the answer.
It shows 5:50
